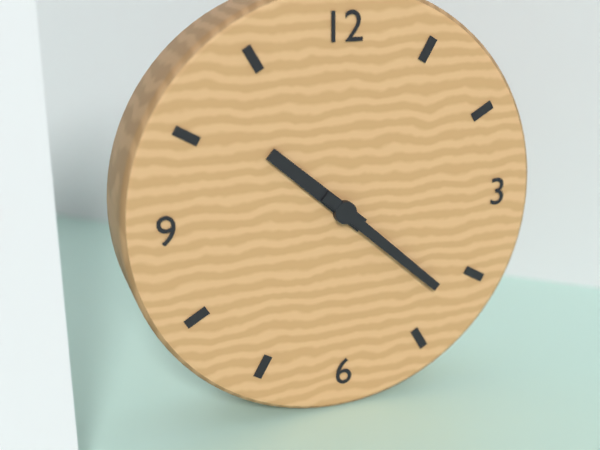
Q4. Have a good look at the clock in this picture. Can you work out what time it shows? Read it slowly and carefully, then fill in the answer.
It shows 10:22
